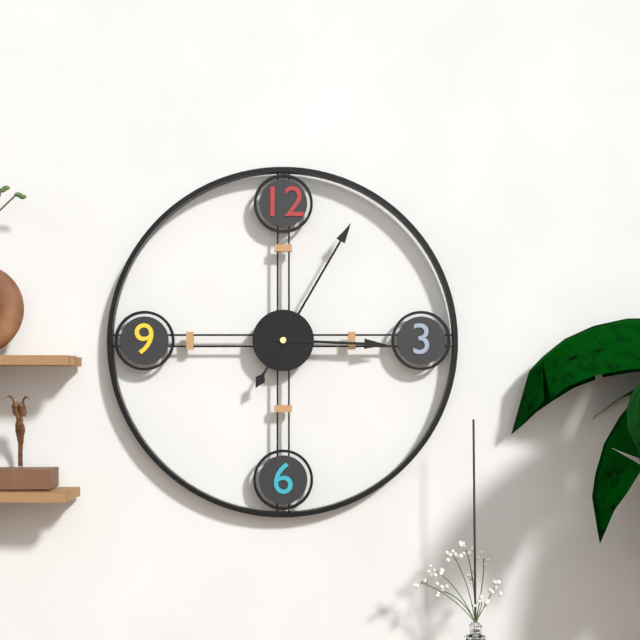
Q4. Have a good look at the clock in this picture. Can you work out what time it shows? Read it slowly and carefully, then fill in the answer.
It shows 3:05
